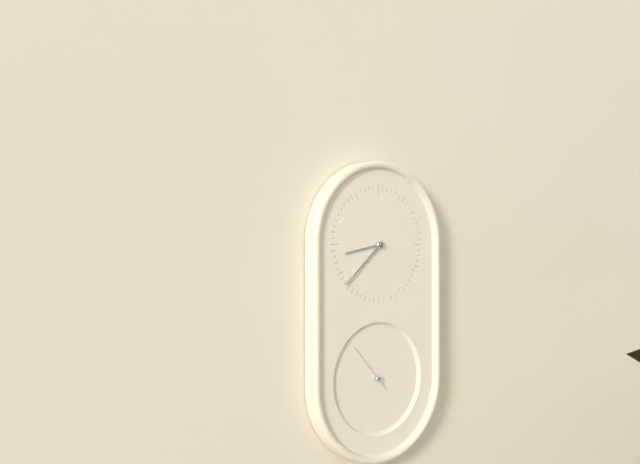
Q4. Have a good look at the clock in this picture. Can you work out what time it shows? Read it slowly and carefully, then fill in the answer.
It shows 8:38
